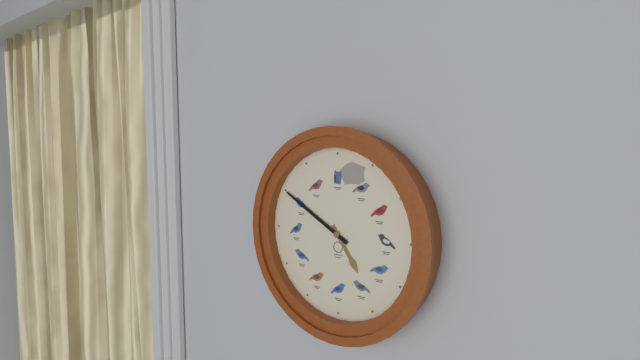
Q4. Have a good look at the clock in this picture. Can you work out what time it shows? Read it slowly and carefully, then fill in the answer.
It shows 4:50
